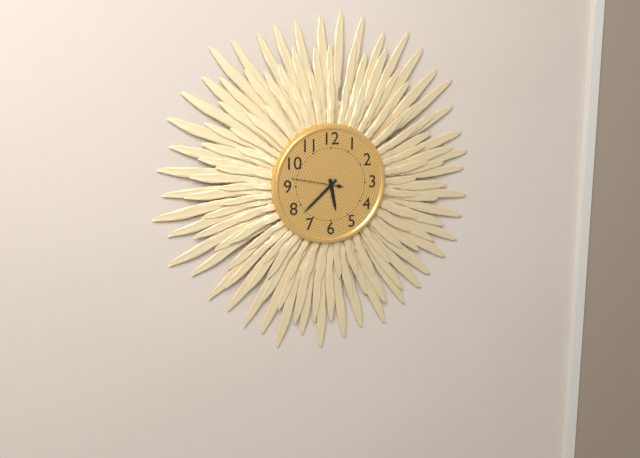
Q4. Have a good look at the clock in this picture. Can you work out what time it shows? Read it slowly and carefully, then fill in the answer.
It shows 5:38
